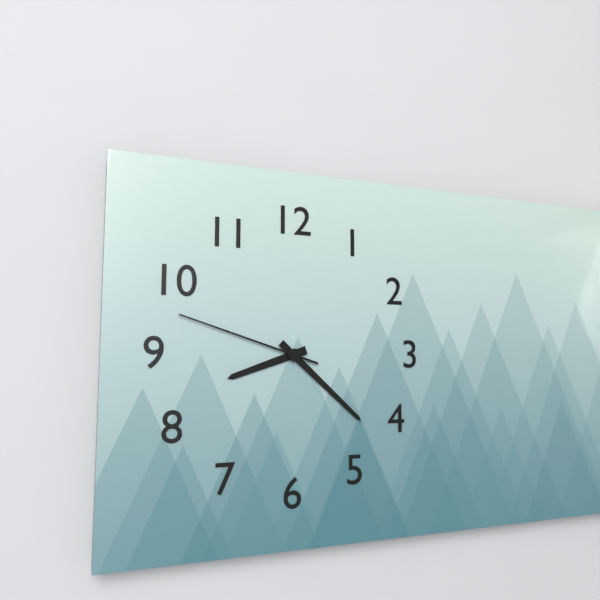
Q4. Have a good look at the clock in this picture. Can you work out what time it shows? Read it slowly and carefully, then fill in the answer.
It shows 8:22:48
